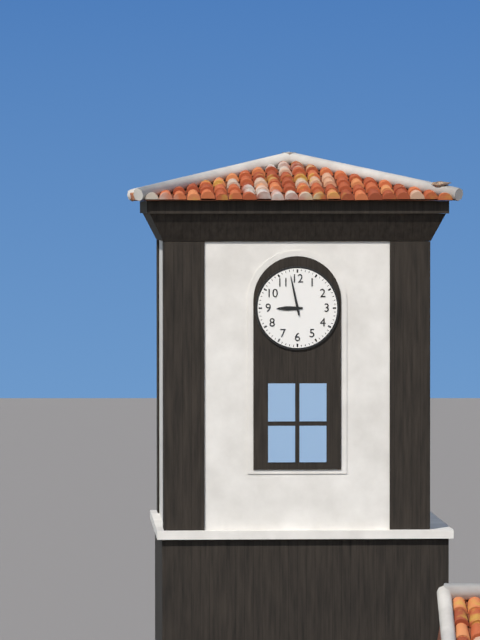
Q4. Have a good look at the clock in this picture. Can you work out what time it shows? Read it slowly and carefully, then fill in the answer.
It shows 8:58
